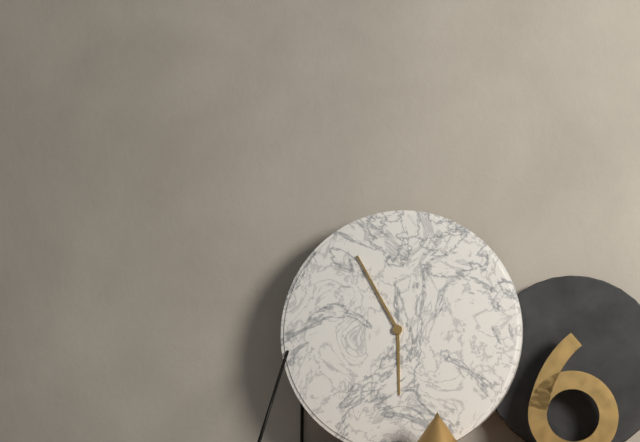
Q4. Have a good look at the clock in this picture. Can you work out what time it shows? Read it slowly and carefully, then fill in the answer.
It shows 5:55
